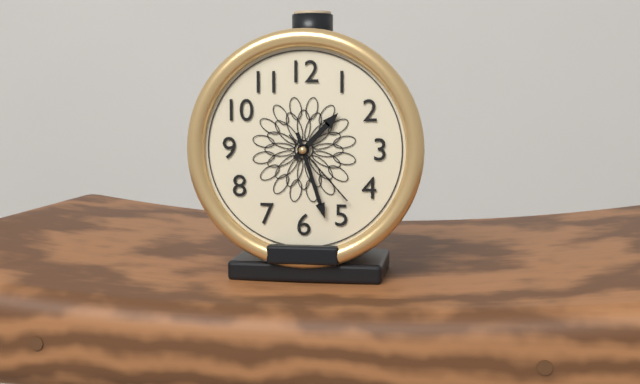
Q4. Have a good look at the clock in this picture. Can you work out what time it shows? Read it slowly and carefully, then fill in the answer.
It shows 1:27:23
